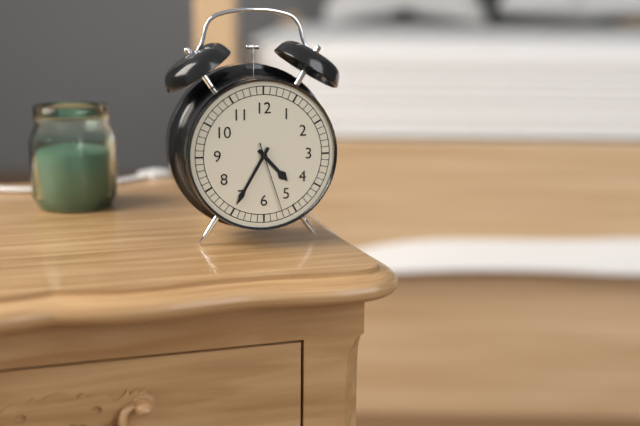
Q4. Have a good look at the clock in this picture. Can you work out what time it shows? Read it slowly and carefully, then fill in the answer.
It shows 4:35:27
